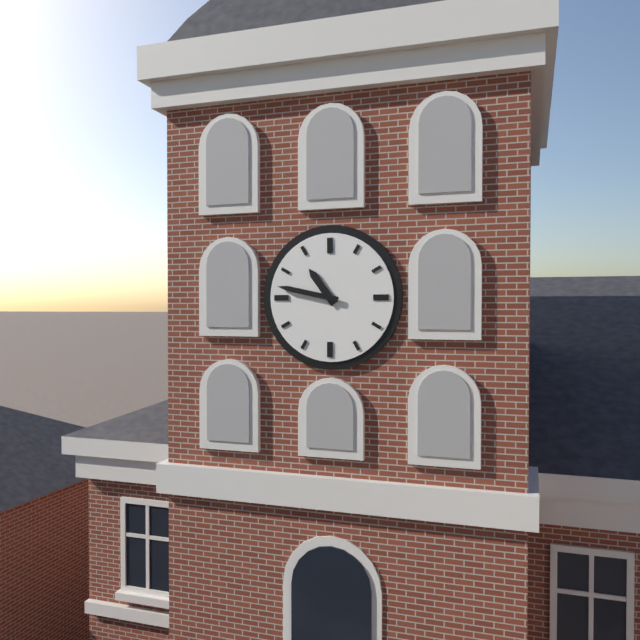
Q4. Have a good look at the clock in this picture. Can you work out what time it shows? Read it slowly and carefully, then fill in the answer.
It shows 10:47
